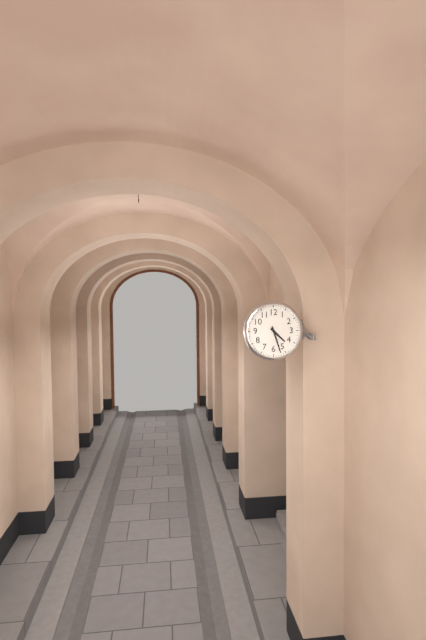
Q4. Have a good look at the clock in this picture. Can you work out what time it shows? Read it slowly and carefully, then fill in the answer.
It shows 4:27
